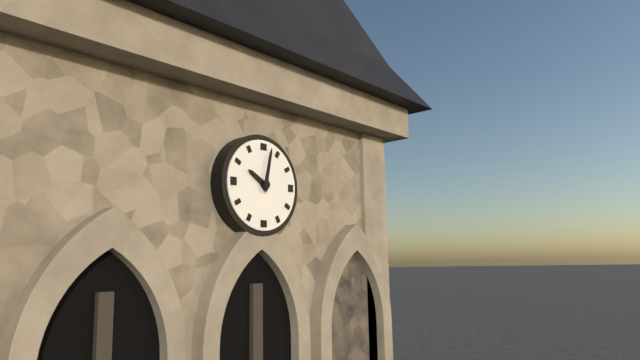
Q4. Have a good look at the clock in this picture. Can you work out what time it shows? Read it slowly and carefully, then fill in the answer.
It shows 10:02
